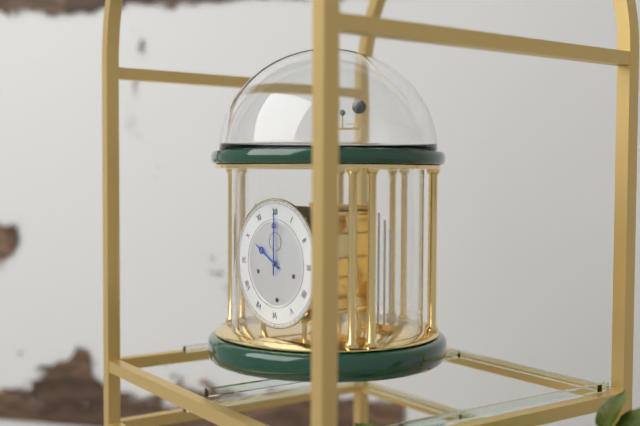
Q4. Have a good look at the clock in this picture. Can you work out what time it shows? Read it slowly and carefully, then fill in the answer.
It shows 10:00
